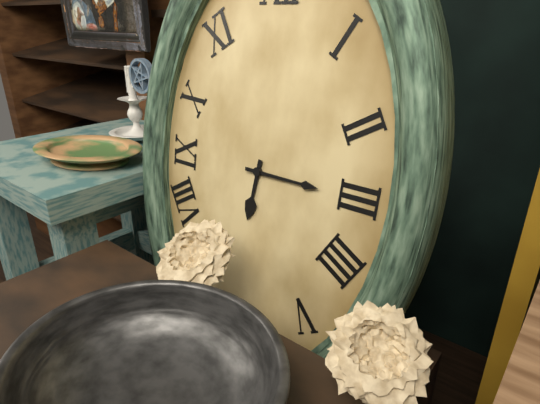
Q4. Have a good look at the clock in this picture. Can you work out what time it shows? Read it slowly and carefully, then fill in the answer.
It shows 6:15
